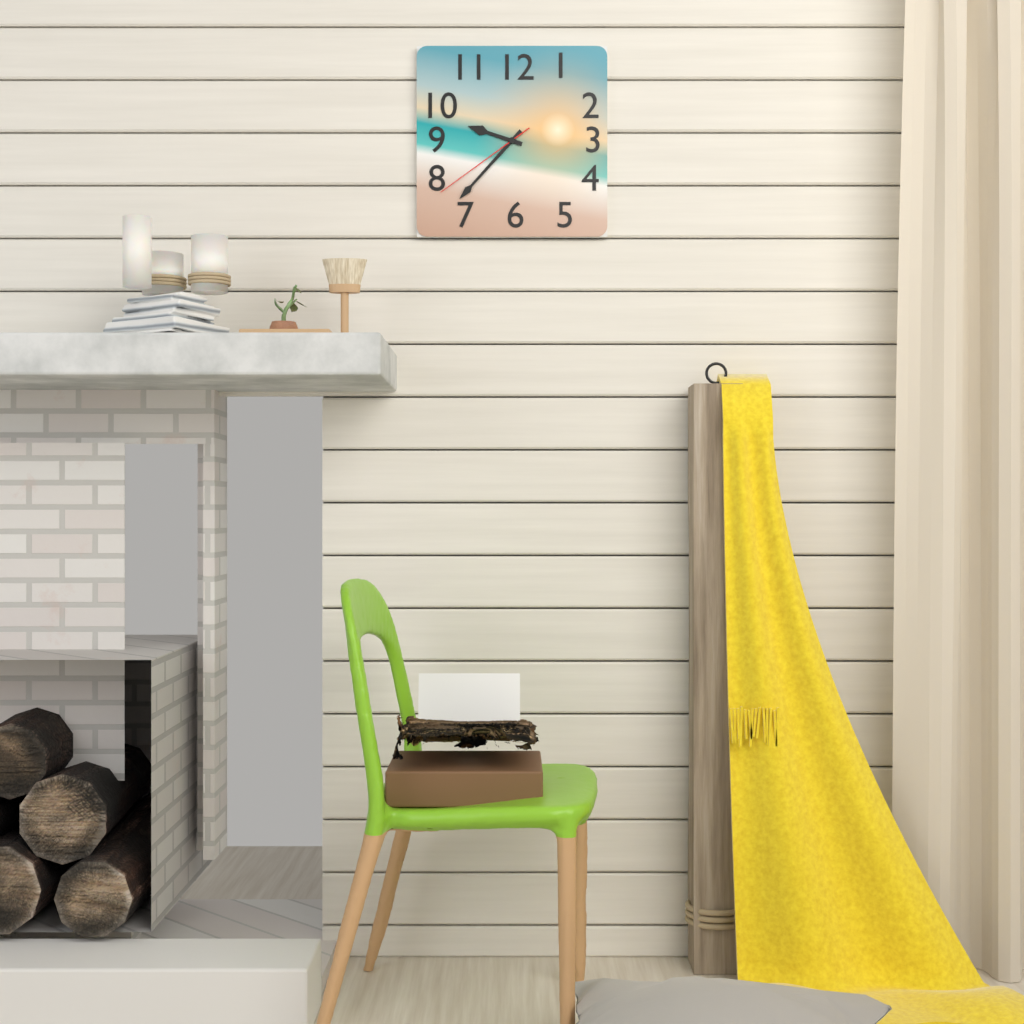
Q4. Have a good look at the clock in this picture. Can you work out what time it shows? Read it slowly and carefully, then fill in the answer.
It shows 9:37:39
